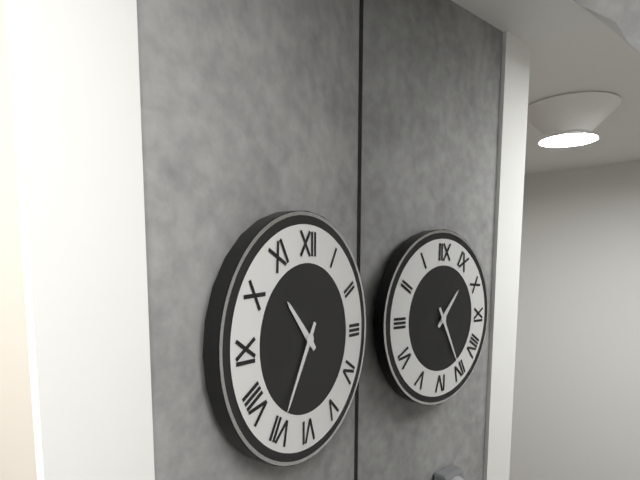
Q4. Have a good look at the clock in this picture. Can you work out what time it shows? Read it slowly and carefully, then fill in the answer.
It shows 10:35
